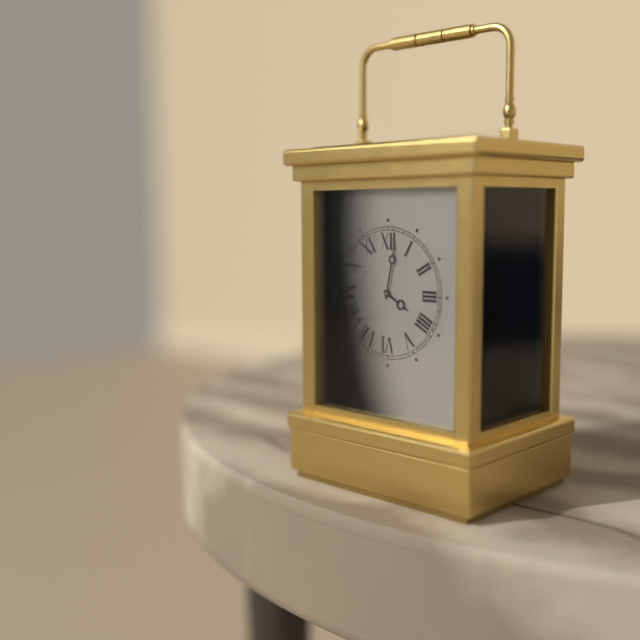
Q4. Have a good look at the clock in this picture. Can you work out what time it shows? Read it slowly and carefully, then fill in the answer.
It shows 4:02
